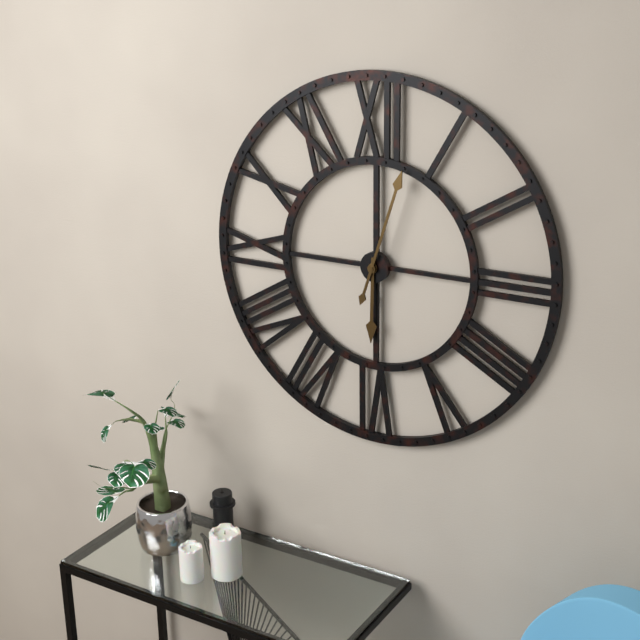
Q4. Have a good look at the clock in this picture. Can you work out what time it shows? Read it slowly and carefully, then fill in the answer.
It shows 6:03
